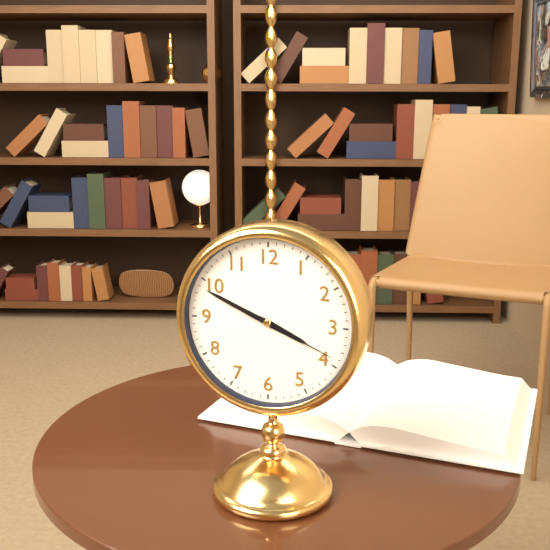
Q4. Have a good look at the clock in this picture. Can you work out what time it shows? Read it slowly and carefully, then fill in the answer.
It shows 3:49:19
